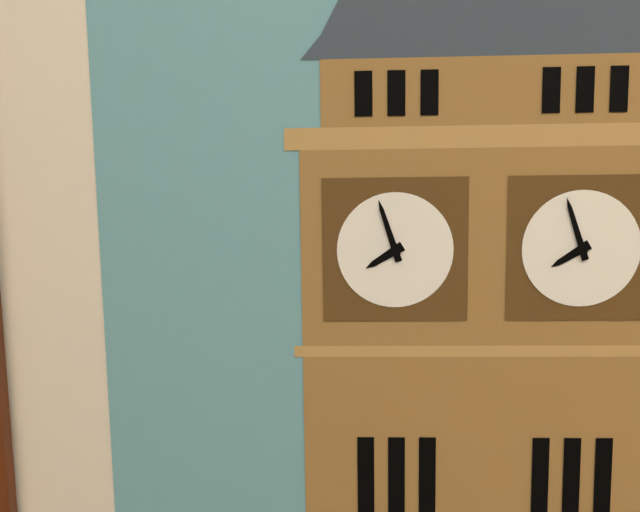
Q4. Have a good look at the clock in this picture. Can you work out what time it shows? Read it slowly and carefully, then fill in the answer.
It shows 7:57
